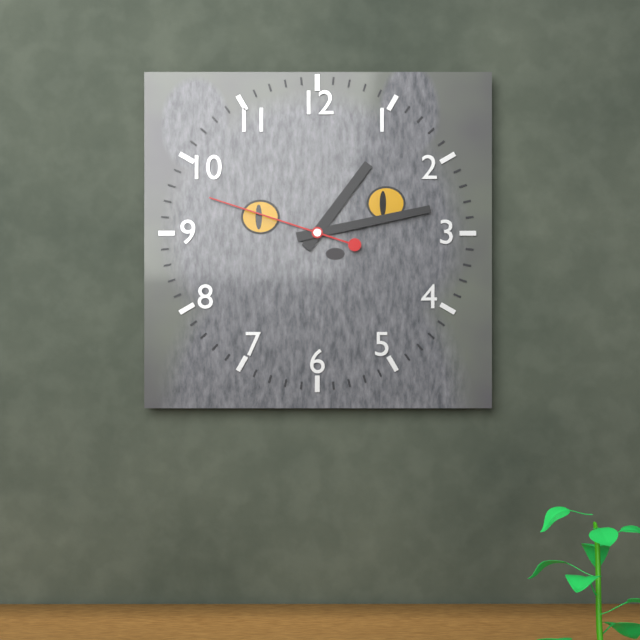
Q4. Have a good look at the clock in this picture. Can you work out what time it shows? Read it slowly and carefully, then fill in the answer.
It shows 1:13:48
